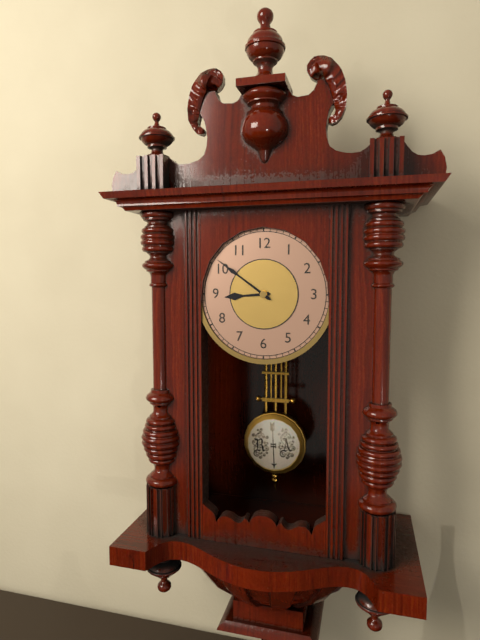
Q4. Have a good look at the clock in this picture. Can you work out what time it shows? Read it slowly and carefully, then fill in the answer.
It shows 8:51
